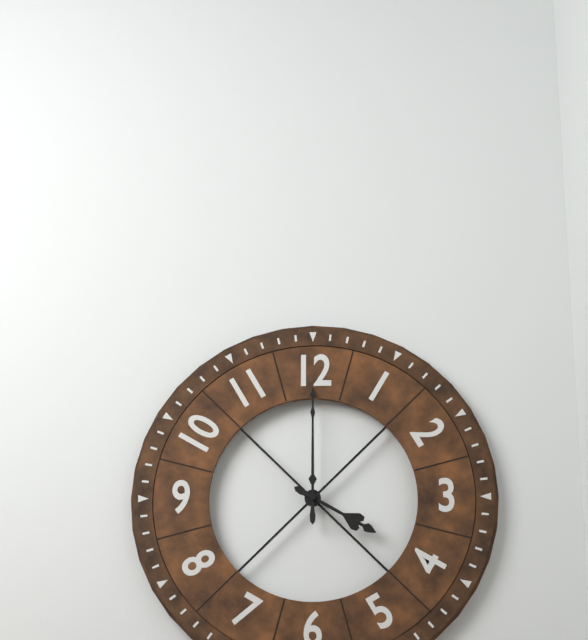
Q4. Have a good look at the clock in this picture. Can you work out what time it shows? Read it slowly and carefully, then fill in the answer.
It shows 4:00
